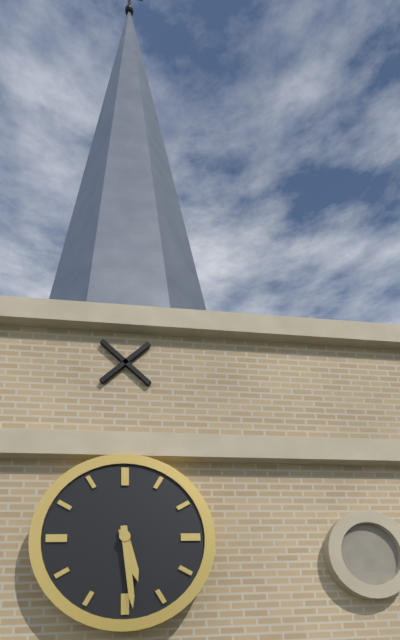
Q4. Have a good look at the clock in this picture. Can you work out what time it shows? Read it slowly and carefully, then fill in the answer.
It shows 5:29
